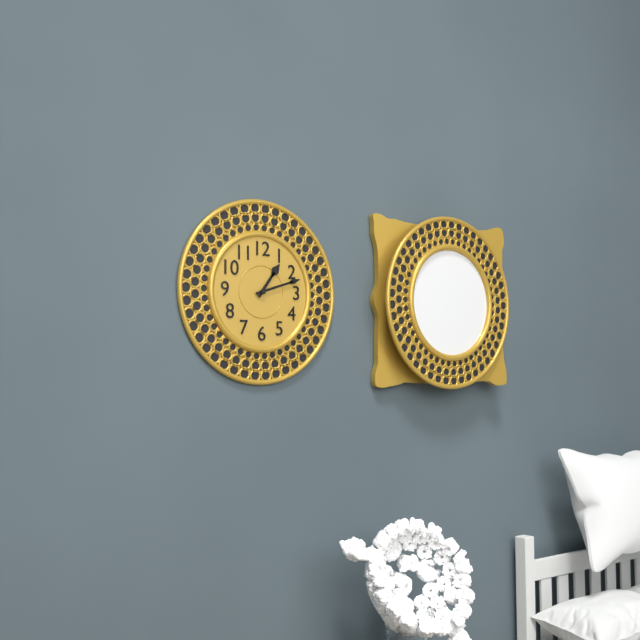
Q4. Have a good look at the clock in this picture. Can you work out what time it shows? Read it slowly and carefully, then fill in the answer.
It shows 1:12
